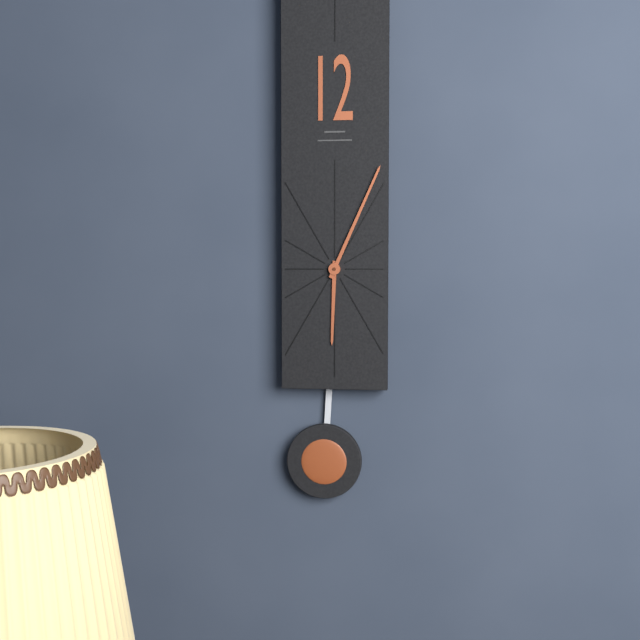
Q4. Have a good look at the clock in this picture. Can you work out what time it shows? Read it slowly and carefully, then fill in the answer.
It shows 6:04
